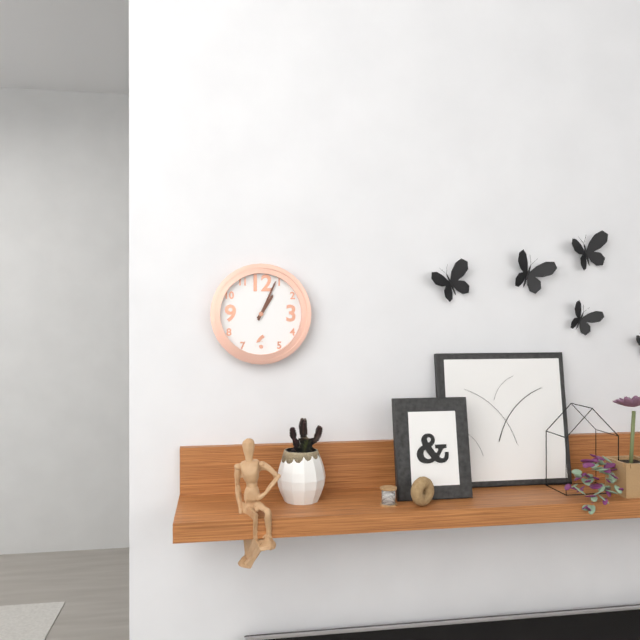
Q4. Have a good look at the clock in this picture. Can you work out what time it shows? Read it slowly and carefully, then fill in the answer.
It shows 1:04
